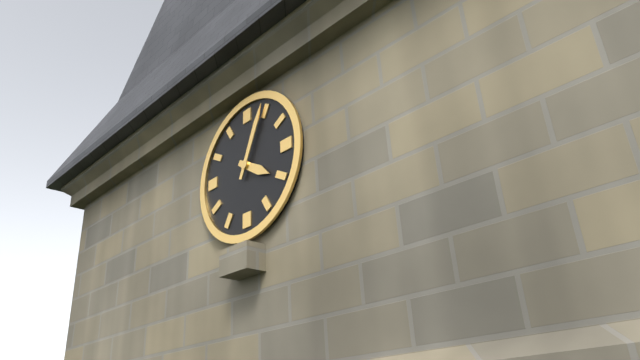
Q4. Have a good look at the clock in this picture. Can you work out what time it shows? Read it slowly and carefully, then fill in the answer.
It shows 4:04
